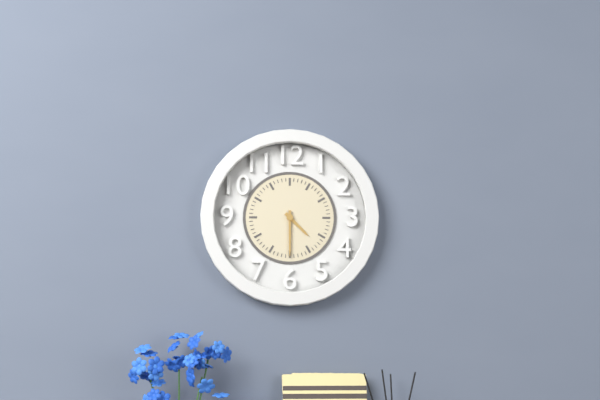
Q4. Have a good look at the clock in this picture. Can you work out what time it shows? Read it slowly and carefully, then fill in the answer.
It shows 4:30
